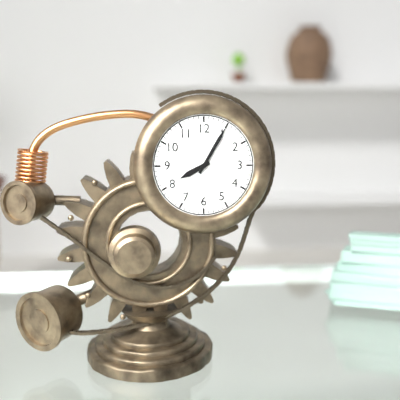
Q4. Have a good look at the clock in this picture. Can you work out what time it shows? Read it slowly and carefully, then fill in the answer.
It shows 8:05
